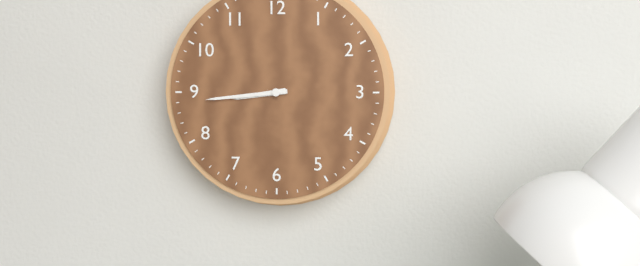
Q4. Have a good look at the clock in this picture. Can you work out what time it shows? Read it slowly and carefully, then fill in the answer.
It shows 8:44
